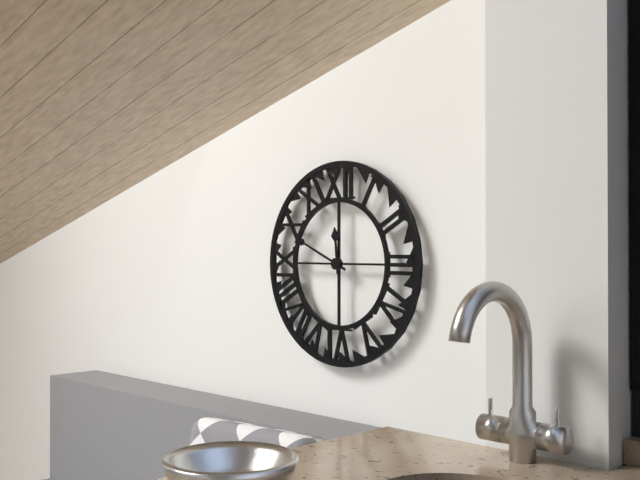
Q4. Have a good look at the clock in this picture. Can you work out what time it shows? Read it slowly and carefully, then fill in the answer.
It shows 11:49
